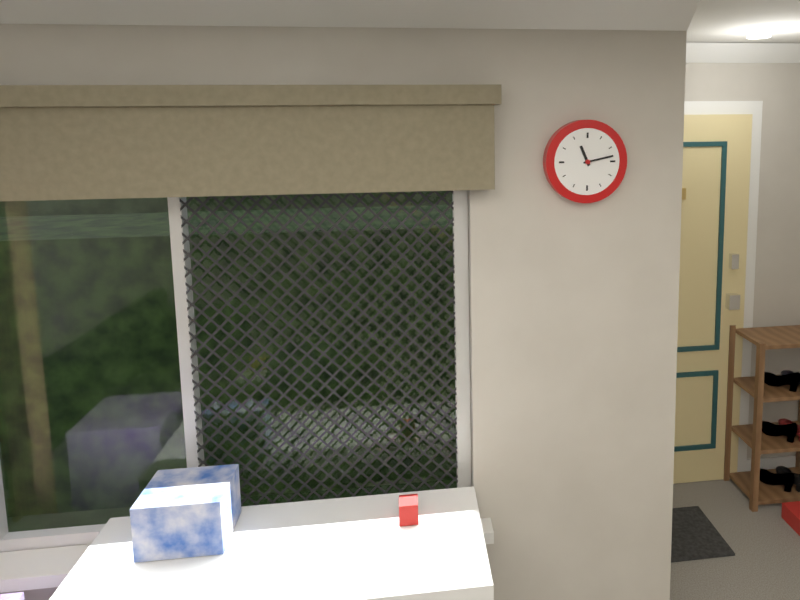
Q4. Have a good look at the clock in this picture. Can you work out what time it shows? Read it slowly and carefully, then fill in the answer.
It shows 11:13
